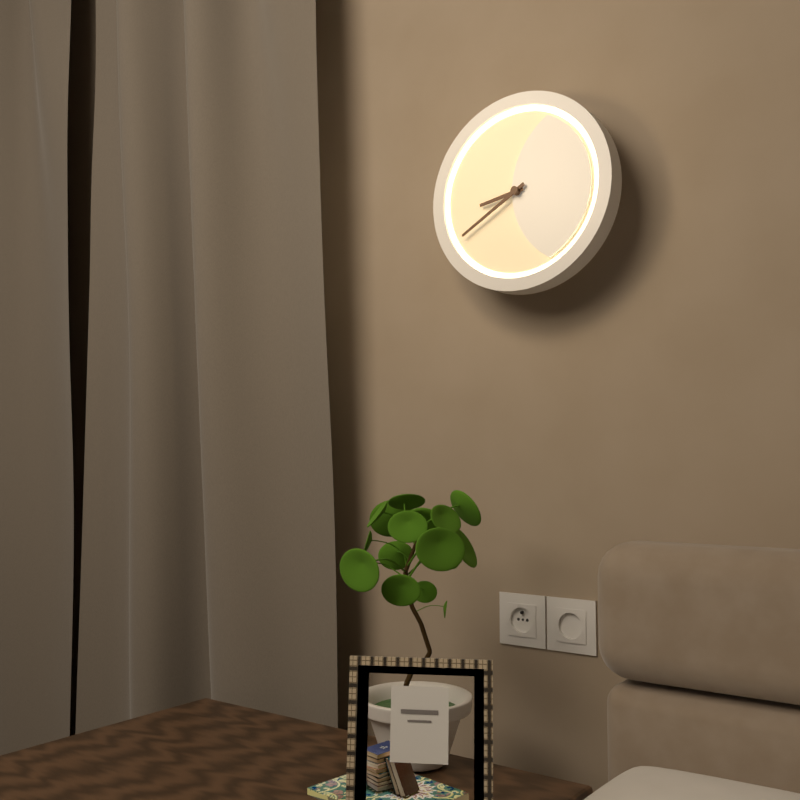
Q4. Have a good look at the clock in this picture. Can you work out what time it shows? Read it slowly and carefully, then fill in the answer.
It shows 8:40
